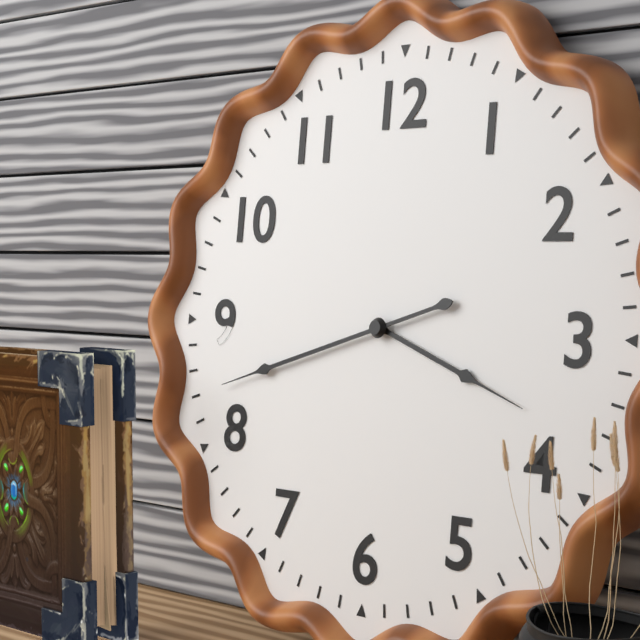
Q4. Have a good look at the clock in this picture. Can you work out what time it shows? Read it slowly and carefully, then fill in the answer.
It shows 3:42
